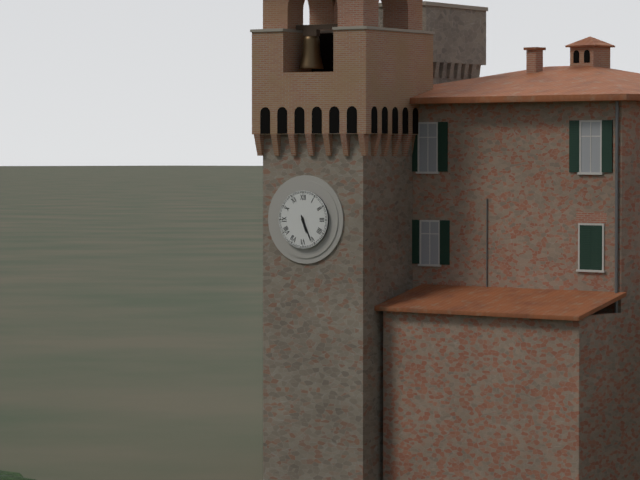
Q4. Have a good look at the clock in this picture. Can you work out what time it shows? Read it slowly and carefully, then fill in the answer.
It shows 5:26
